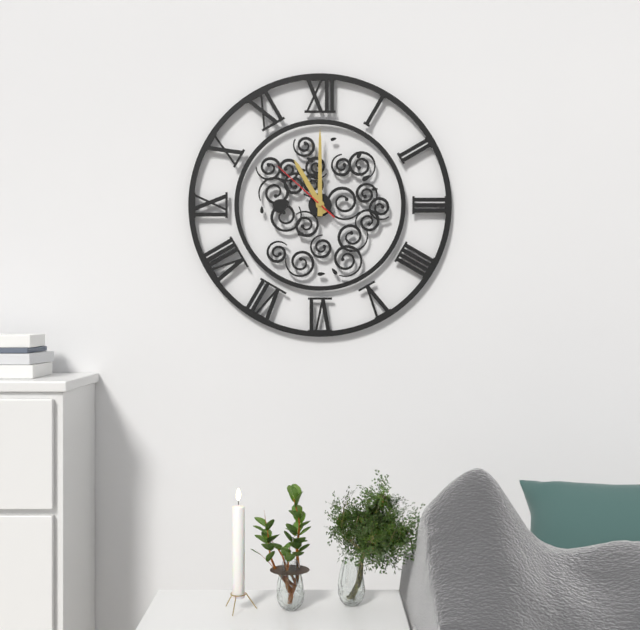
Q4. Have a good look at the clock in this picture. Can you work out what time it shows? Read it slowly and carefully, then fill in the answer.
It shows 11:00:52
